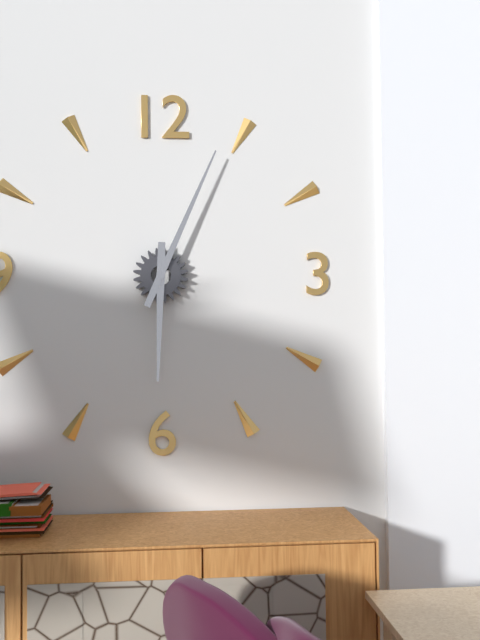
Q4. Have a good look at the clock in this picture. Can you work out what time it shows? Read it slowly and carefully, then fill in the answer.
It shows 6:04
